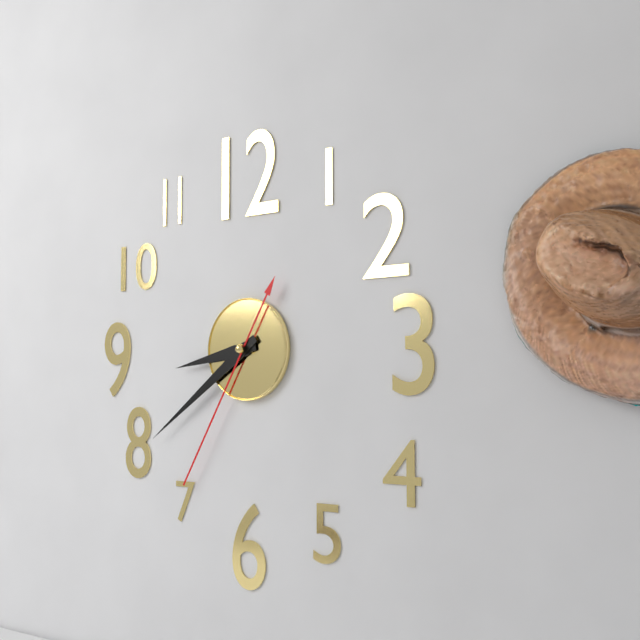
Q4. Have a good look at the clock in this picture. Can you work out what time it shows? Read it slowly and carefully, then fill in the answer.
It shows 8:39:35
